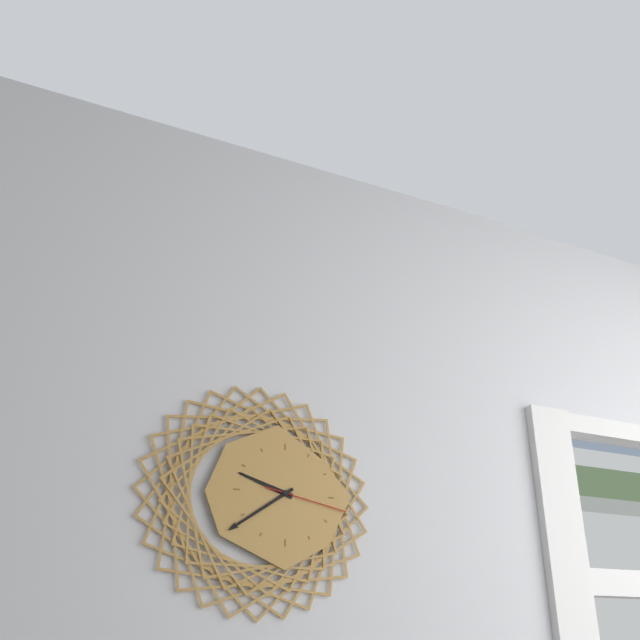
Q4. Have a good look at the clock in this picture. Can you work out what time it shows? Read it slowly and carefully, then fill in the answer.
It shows 9:39:17
